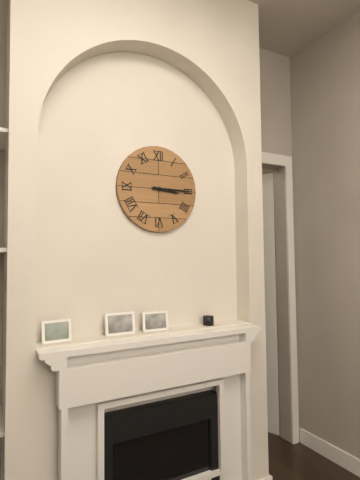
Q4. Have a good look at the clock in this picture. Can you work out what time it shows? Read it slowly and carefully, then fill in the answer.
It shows 3:15
